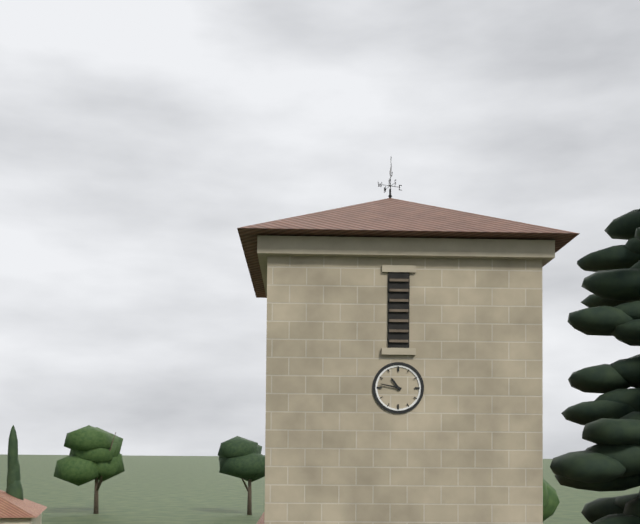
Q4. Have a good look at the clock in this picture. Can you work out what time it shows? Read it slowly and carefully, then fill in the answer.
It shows 10:47
